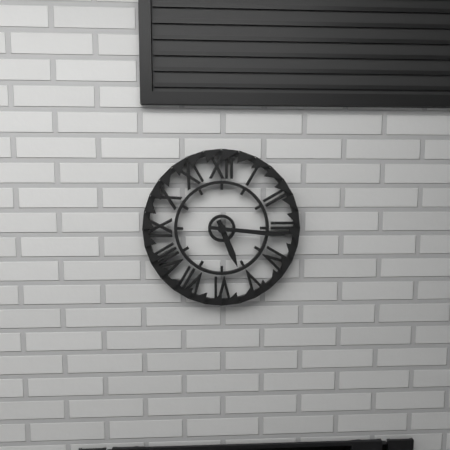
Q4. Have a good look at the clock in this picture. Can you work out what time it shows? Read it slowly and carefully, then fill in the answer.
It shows 5:16
